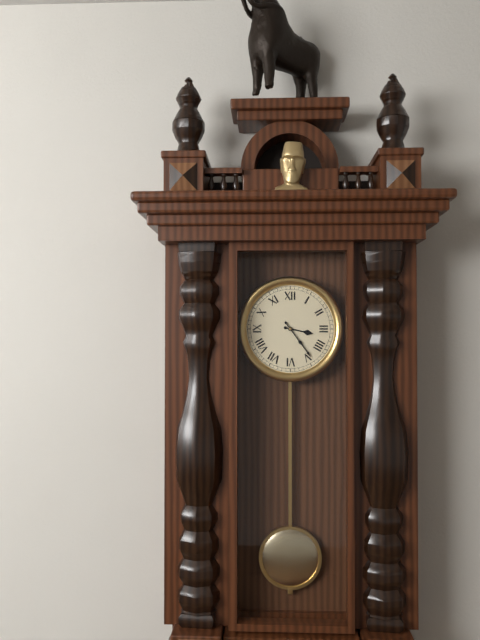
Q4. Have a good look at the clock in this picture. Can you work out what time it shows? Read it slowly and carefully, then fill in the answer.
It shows 3:24
